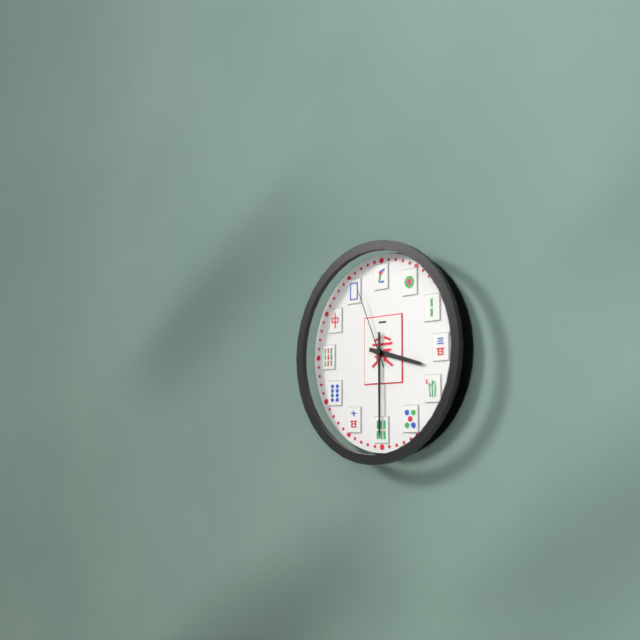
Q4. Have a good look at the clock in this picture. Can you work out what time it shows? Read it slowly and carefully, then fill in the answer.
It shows 3:30:56
